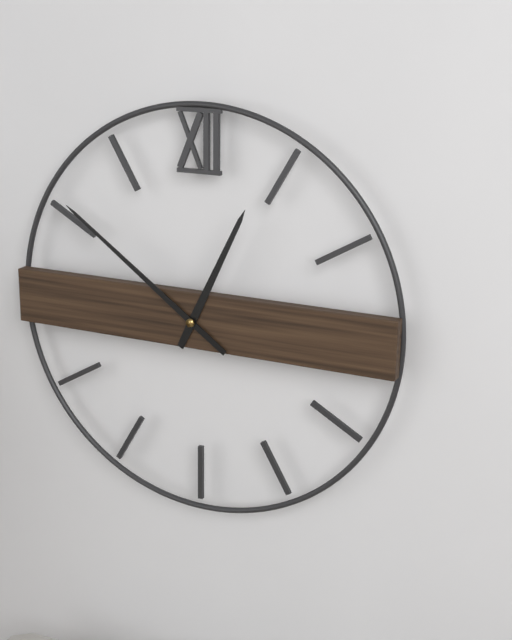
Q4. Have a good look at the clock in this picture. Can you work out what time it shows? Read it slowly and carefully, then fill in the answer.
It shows 12:51
